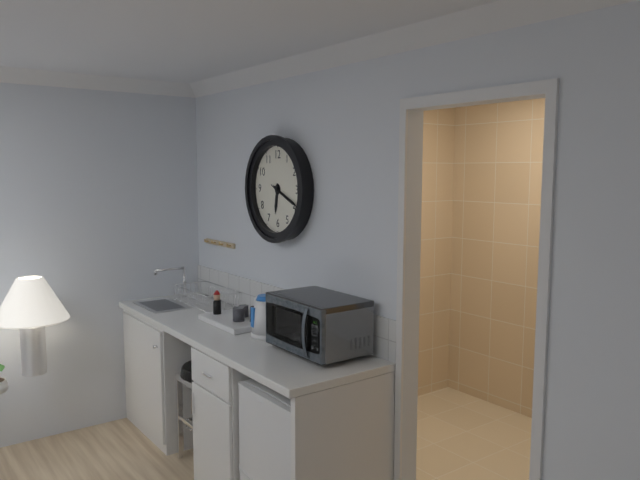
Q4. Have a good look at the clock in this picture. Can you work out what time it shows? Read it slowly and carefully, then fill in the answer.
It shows 6:19
